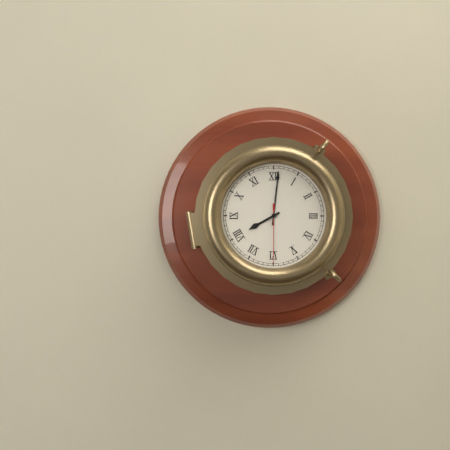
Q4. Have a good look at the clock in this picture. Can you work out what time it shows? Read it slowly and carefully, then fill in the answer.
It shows 8:01:30
